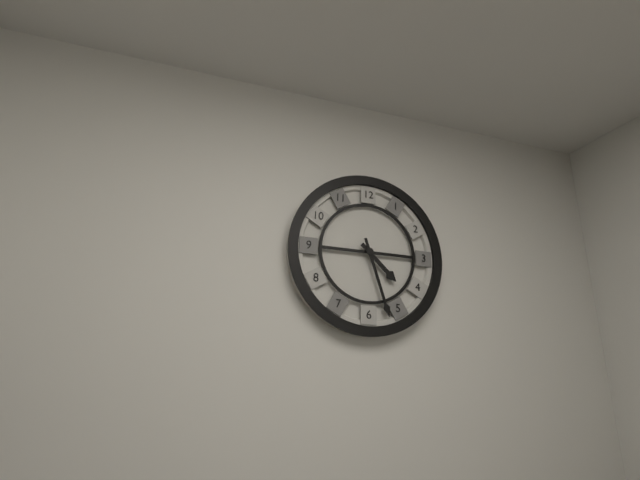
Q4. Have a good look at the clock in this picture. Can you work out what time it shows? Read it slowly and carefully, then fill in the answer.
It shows 4:27
